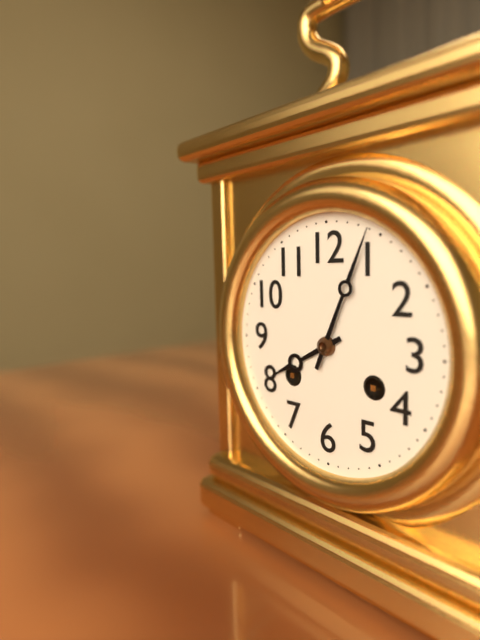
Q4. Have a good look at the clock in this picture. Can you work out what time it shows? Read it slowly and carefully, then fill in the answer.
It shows 8:04
